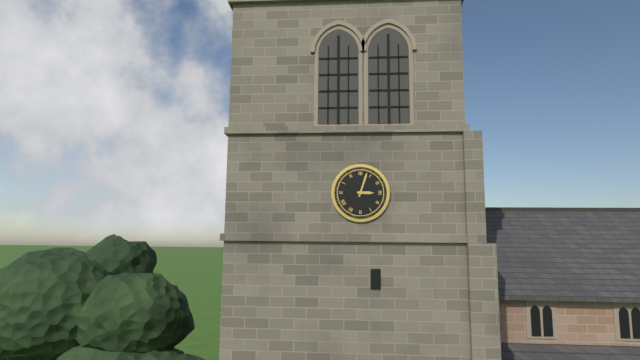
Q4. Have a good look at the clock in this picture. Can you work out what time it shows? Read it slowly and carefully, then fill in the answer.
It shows 3:03
